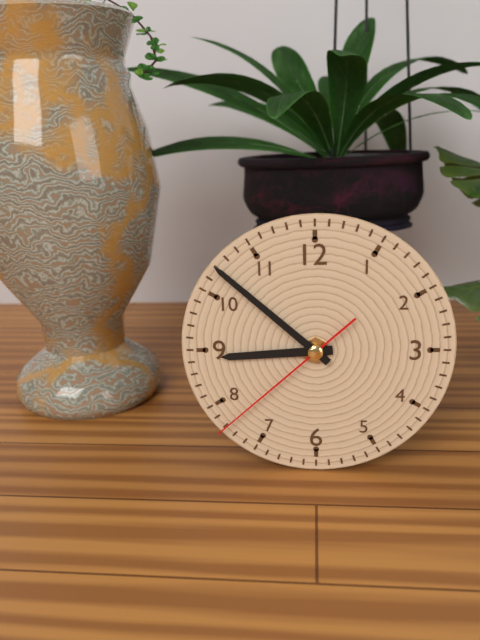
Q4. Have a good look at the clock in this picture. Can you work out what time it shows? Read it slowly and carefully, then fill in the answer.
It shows 8:52:38
